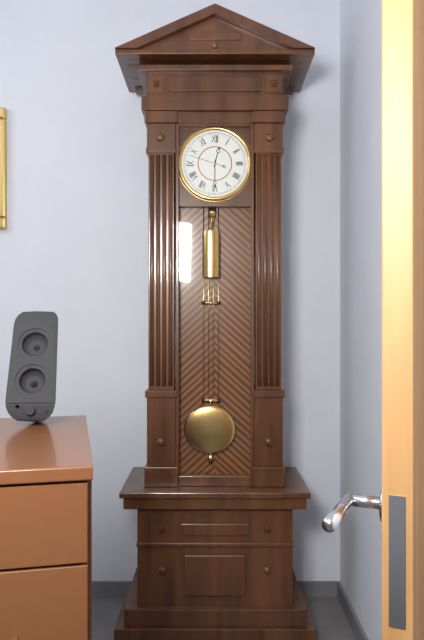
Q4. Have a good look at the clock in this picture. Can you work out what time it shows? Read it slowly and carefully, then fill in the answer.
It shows 12:30
